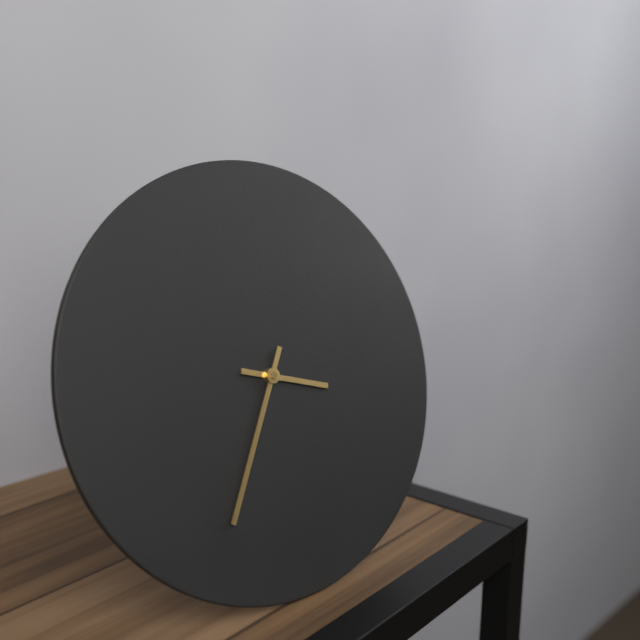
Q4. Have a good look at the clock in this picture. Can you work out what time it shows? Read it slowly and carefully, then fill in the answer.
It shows 3:35
